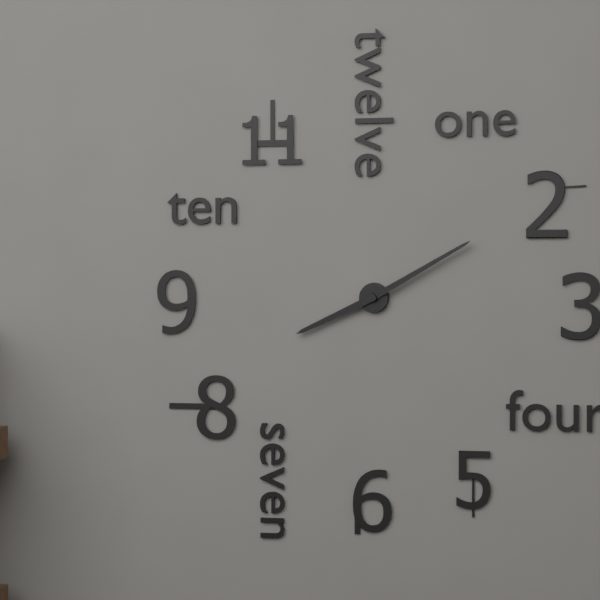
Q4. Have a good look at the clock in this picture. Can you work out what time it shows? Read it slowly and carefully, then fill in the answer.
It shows 8:10
